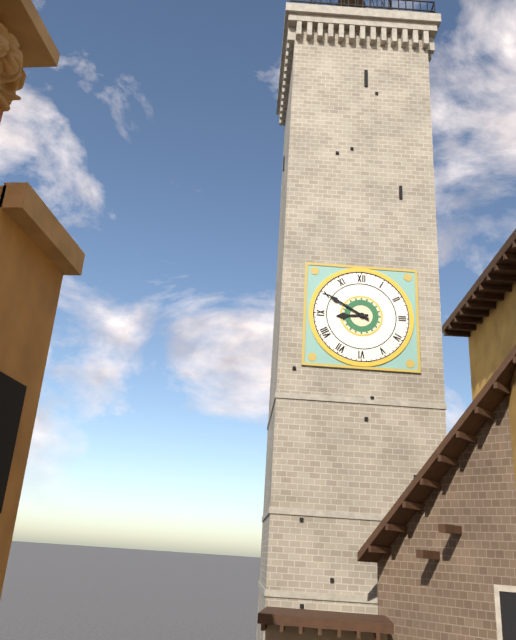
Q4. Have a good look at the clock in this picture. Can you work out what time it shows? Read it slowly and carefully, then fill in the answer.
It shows 8:50
